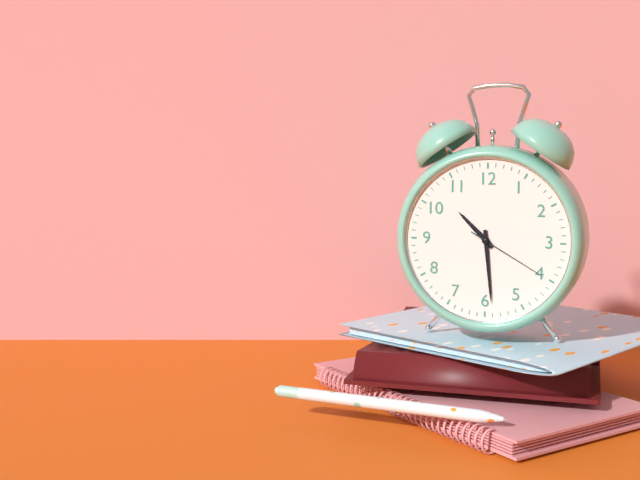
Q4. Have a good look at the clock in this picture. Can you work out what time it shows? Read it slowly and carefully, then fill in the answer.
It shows 10:29:20
